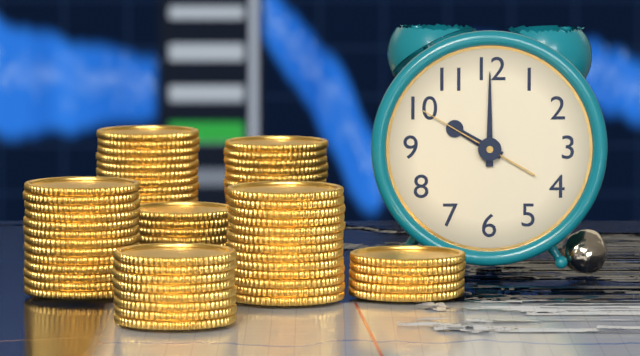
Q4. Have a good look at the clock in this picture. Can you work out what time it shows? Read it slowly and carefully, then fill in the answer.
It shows 10:00:50
